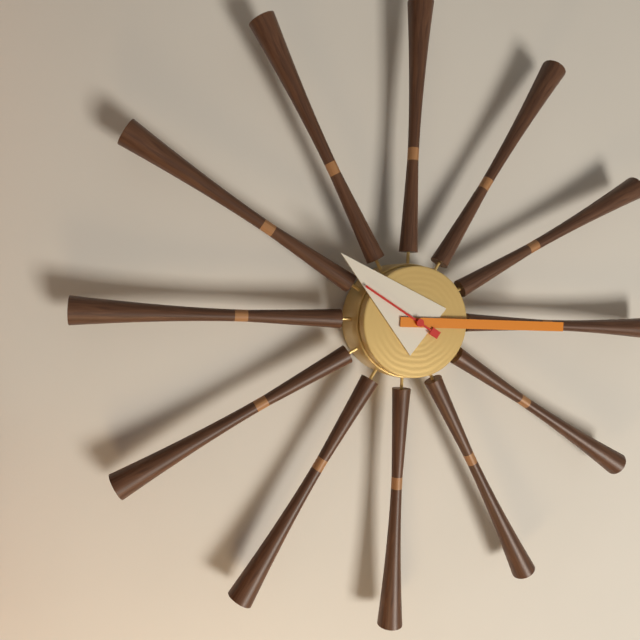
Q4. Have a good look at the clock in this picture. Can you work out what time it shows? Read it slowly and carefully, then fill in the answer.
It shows 10:15:50
